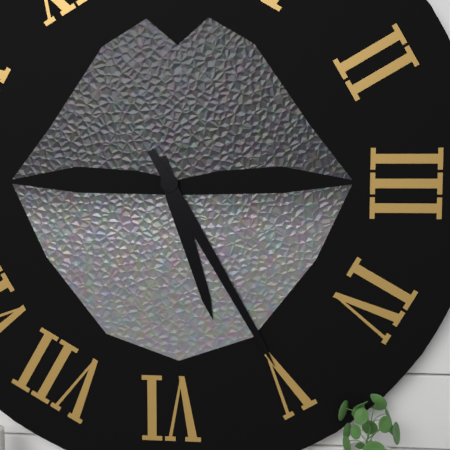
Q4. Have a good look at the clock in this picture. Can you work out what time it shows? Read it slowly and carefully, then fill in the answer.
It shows 5:25
